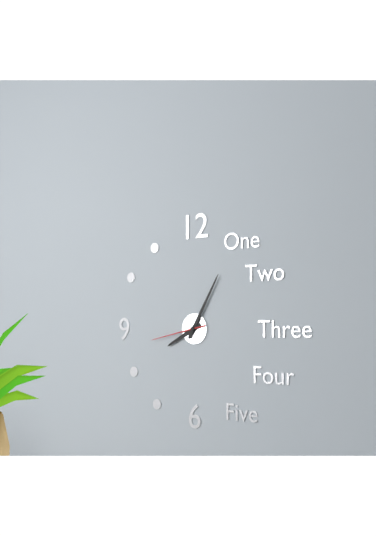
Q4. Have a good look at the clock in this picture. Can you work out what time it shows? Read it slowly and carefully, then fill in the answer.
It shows 8:05:43
